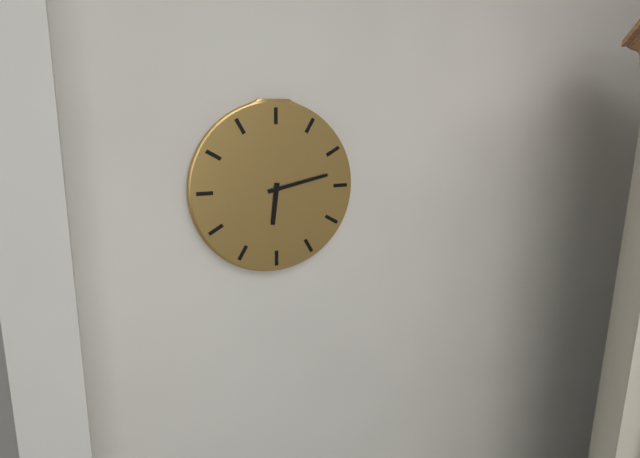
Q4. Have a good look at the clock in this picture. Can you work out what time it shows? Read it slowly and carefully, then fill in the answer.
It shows 6:13
